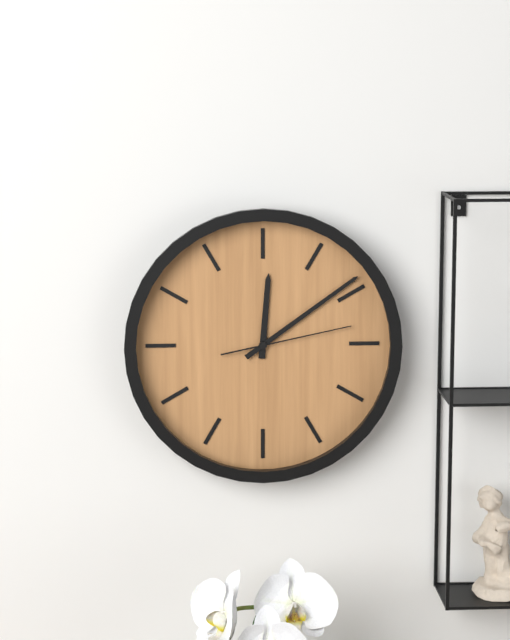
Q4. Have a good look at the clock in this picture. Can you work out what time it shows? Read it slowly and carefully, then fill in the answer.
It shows 12:09:13
